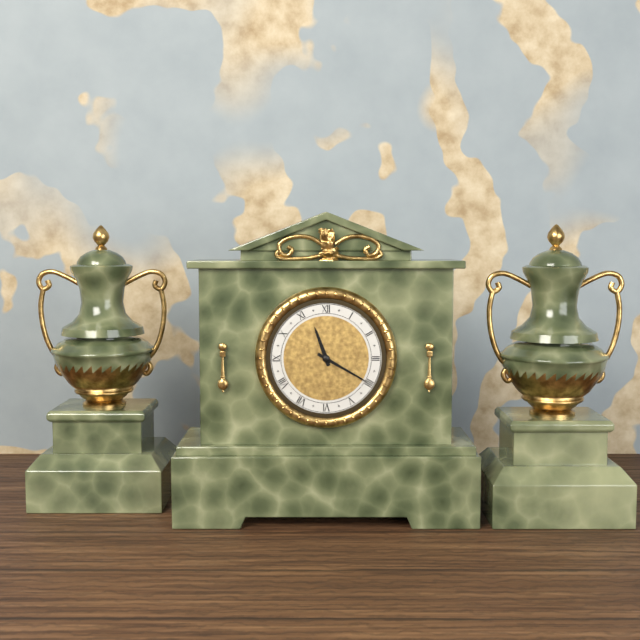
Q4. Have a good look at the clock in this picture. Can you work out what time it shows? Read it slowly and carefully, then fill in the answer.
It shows 11:20
